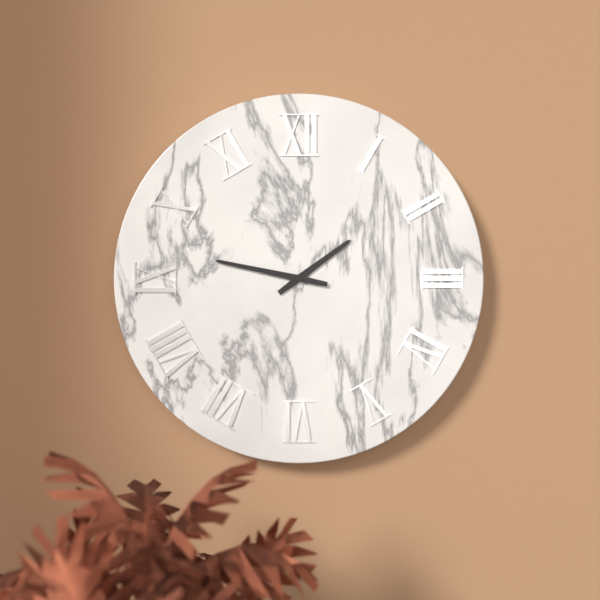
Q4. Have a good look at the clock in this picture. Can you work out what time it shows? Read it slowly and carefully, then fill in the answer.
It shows 1:47
